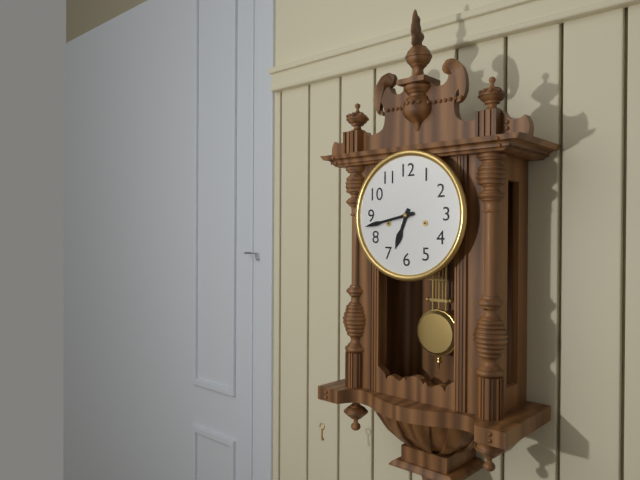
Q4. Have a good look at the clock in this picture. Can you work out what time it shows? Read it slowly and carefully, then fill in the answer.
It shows 6:43
